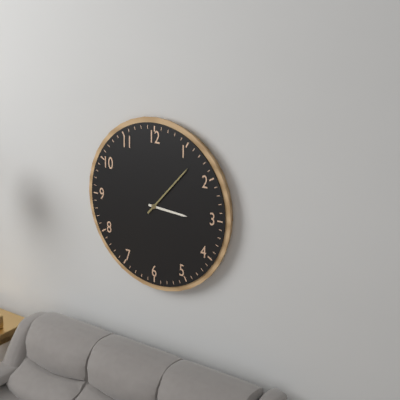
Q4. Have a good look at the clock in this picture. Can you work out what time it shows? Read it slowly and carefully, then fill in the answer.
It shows 3:07
